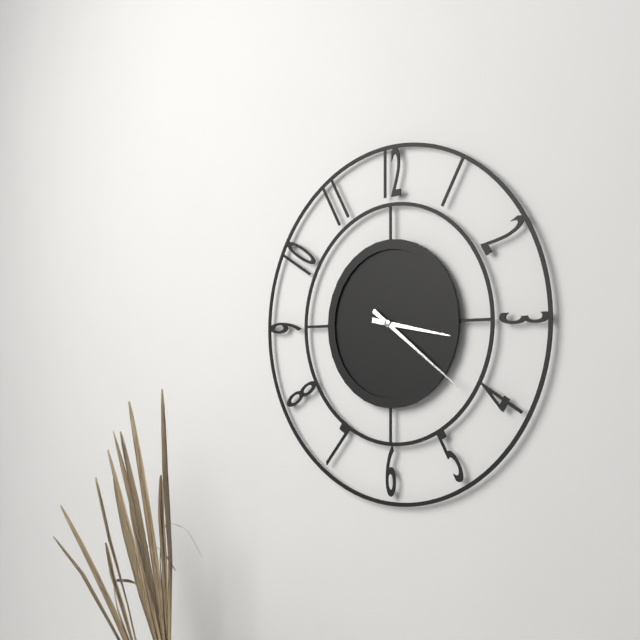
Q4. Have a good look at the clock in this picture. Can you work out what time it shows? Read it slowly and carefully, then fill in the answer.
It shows 3:21
